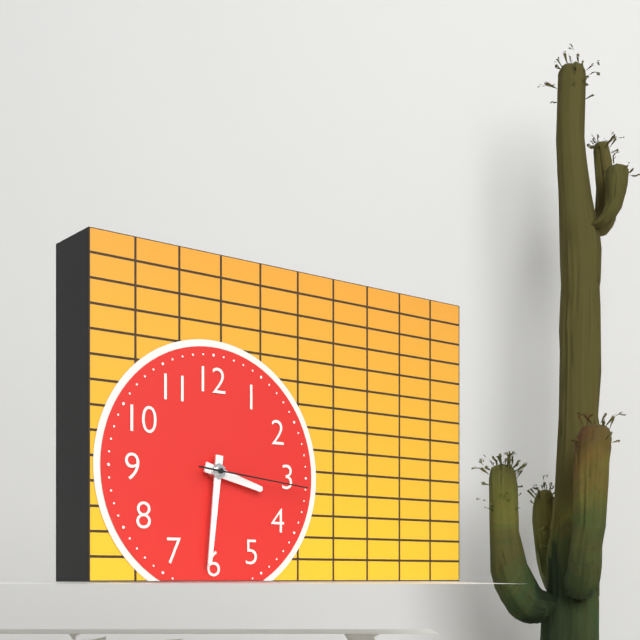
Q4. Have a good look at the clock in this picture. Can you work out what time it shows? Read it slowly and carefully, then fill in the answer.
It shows 3:31:16
